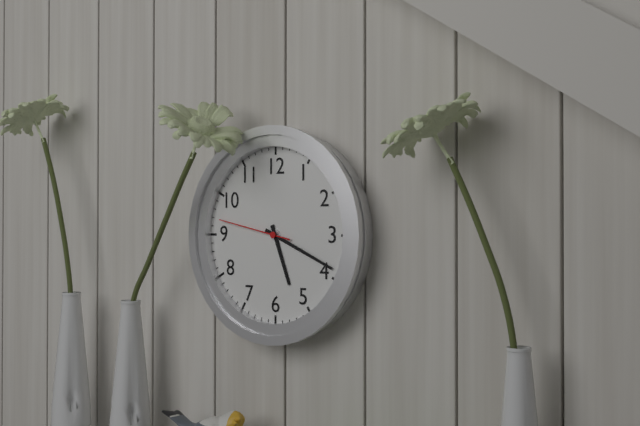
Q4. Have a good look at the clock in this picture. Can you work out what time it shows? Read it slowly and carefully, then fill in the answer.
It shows 5:19:47
